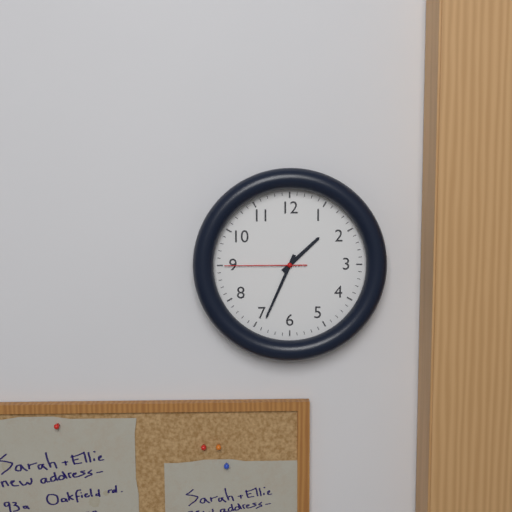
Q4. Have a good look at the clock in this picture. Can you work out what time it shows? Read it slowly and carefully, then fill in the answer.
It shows 1:34:45
